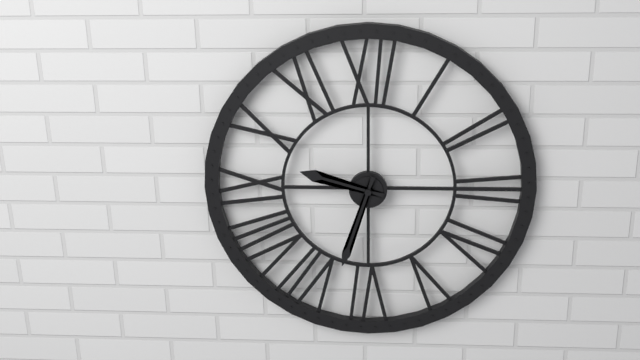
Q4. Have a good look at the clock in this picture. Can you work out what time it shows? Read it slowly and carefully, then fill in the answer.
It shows 9:33
